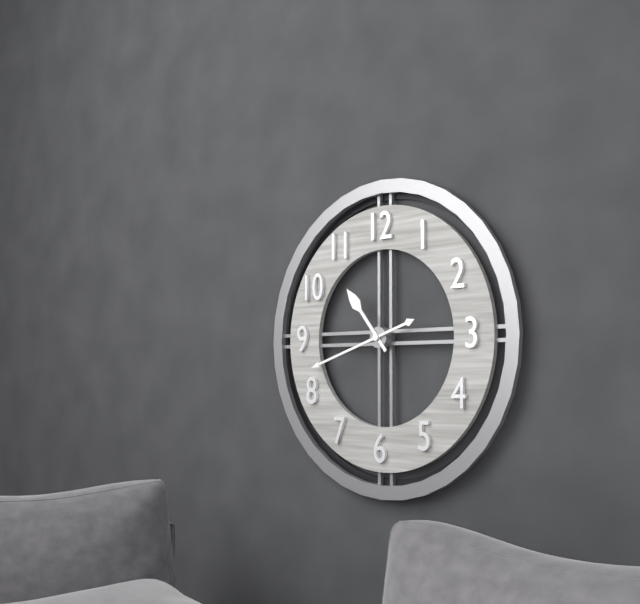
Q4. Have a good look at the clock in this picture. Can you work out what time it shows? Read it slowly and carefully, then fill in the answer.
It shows 10:42
